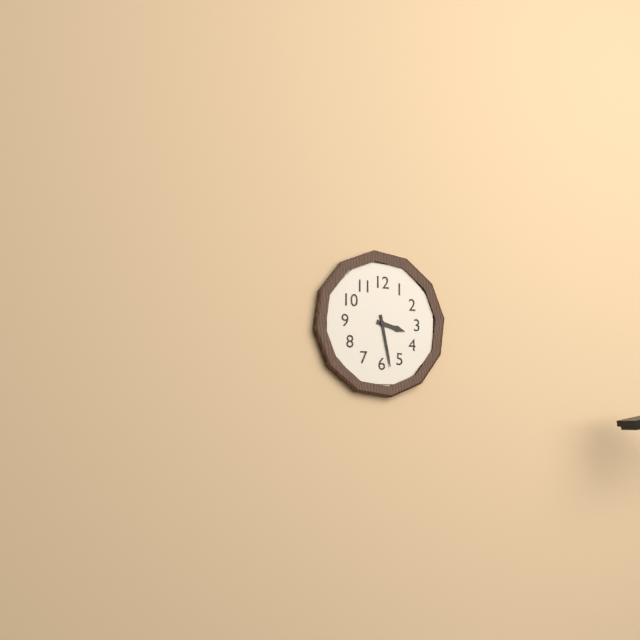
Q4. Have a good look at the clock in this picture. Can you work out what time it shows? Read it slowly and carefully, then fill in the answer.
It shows 3:28
